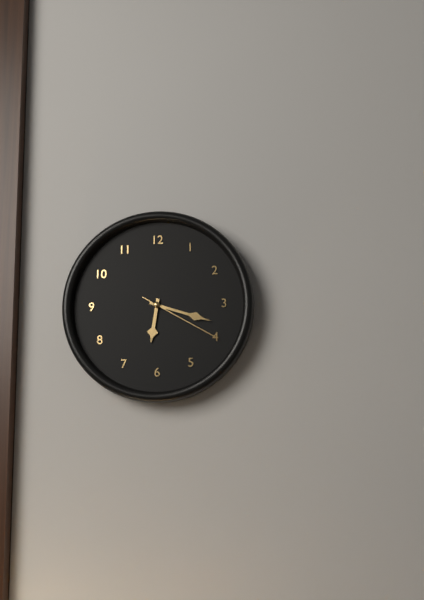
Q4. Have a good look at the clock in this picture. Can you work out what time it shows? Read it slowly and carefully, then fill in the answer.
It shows 6:18:20
